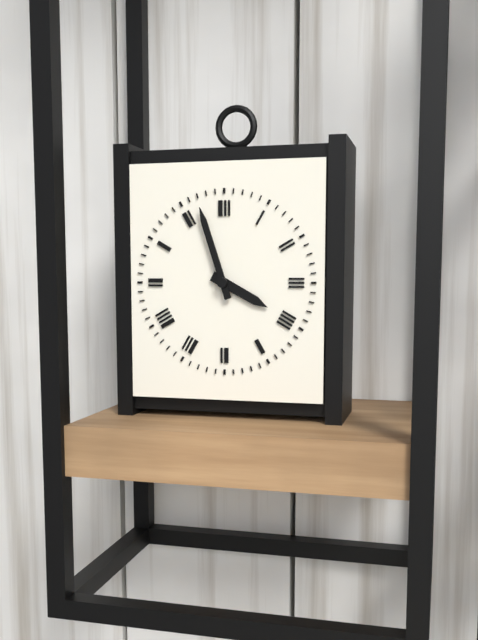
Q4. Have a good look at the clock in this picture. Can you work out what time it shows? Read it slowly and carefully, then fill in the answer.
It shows 3:57
